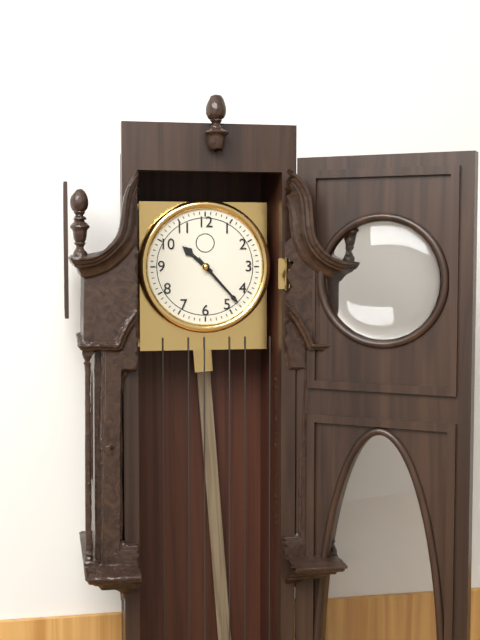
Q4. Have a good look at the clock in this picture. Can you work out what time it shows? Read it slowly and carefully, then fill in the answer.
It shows 10:23
